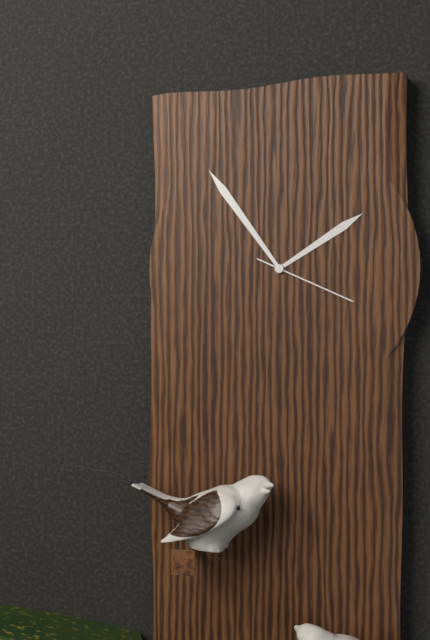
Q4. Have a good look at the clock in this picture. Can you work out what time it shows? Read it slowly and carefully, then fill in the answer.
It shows 1:54:19
